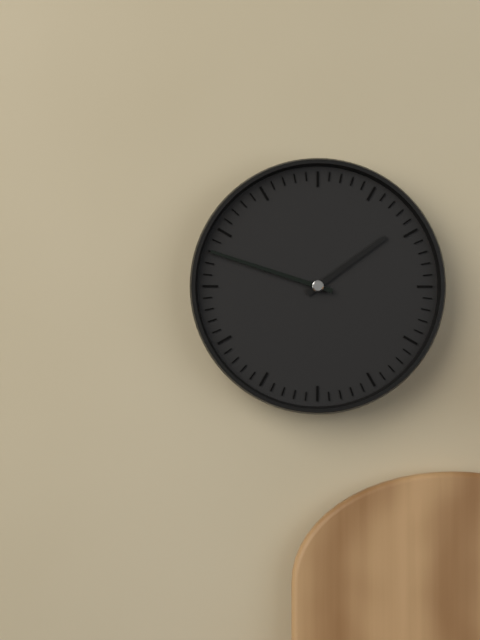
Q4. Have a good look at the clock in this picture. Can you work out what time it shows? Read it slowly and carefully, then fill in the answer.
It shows 1:48
